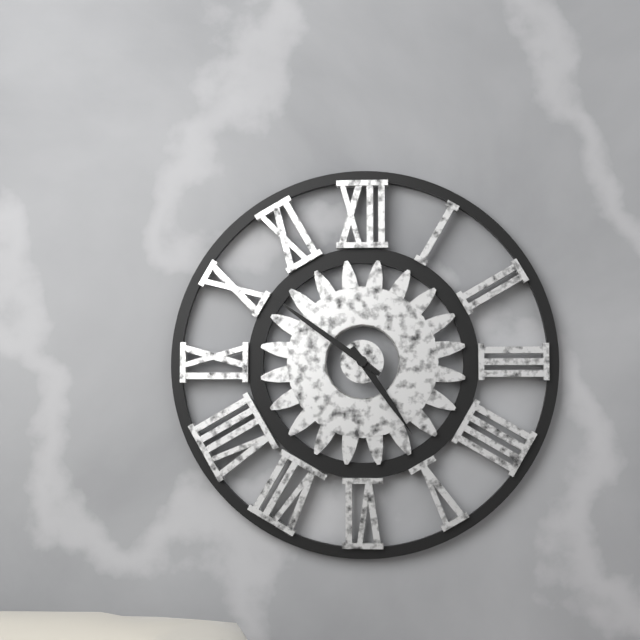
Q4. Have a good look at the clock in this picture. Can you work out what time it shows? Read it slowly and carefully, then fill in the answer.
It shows 4:51
